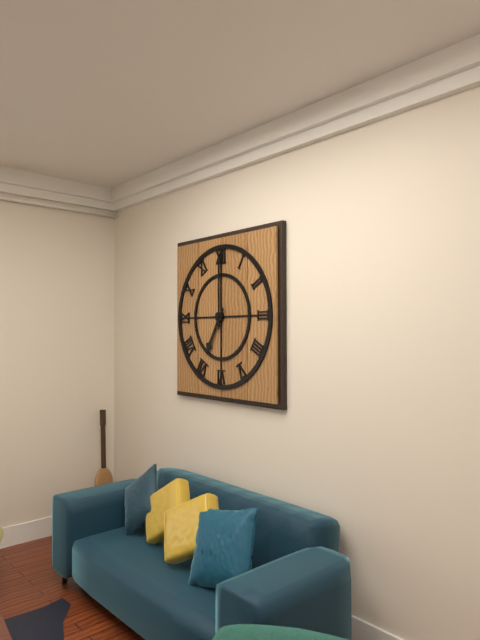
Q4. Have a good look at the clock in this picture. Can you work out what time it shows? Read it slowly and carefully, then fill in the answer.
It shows 7:00
